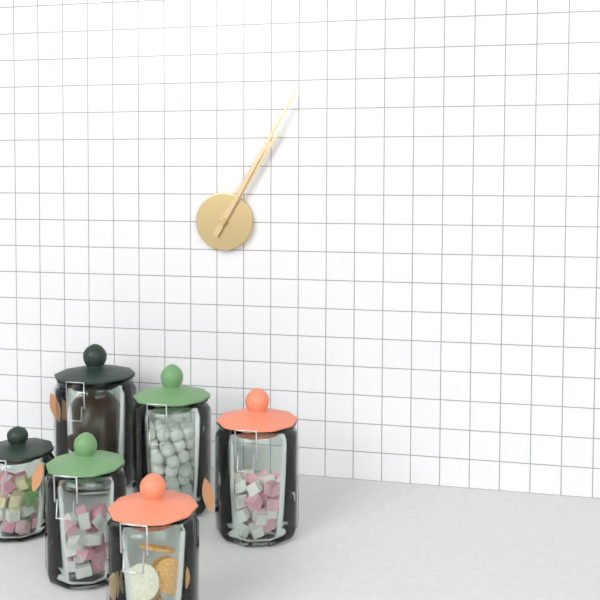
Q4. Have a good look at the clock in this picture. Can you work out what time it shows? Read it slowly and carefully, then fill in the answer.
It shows 1:05
